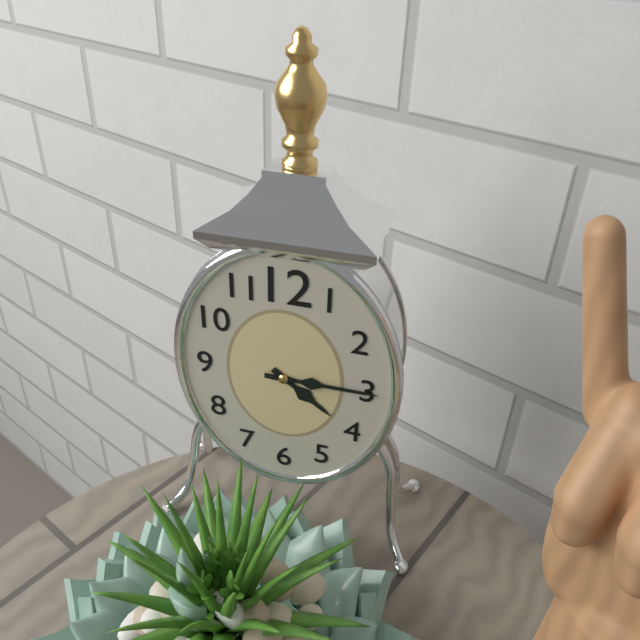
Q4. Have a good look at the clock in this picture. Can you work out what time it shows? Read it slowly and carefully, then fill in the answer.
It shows 4:15
